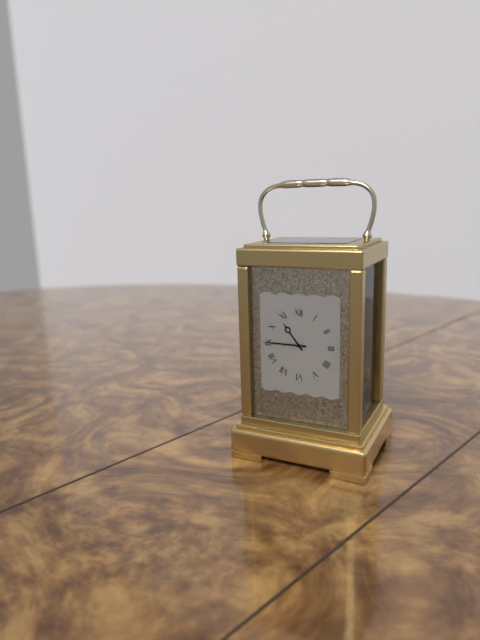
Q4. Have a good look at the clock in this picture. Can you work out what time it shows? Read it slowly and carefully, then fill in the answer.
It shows 10:45
